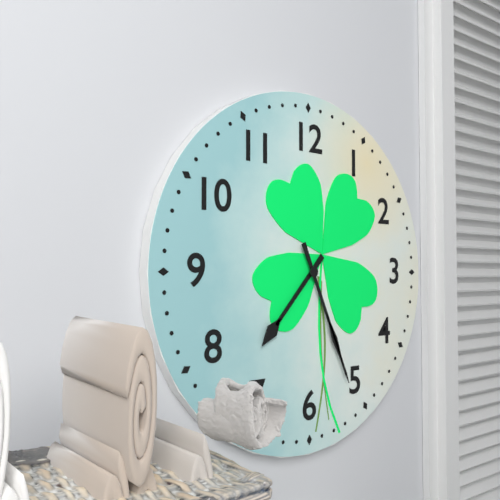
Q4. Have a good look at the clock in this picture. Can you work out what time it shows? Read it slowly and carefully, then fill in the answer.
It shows 7:26
